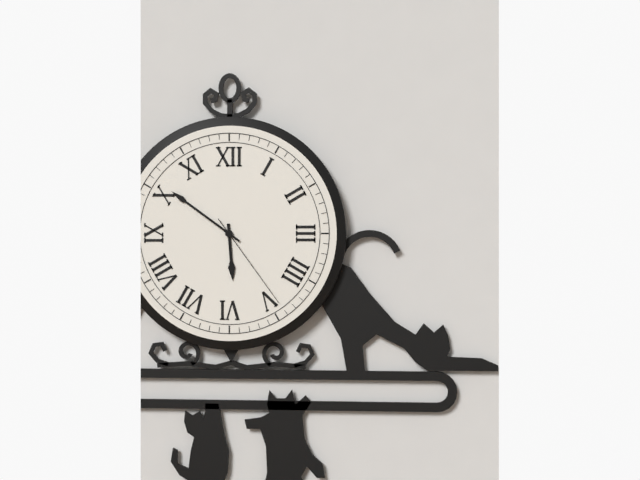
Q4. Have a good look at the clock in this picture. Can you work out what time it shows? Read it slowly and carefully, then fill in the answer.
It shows 5:51:24
